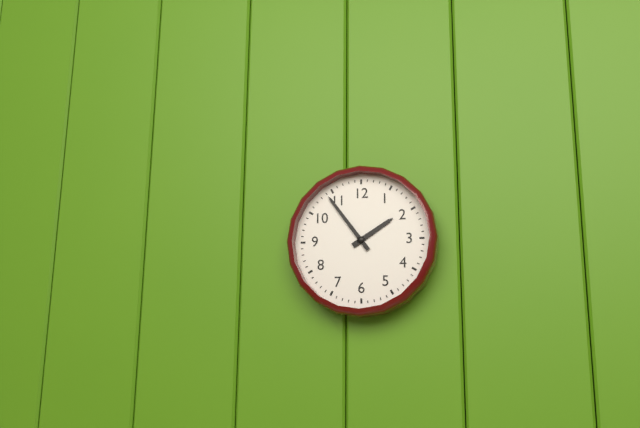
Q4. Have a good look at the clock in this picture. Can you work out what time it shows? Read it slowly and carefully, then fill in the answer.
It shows 1:54
